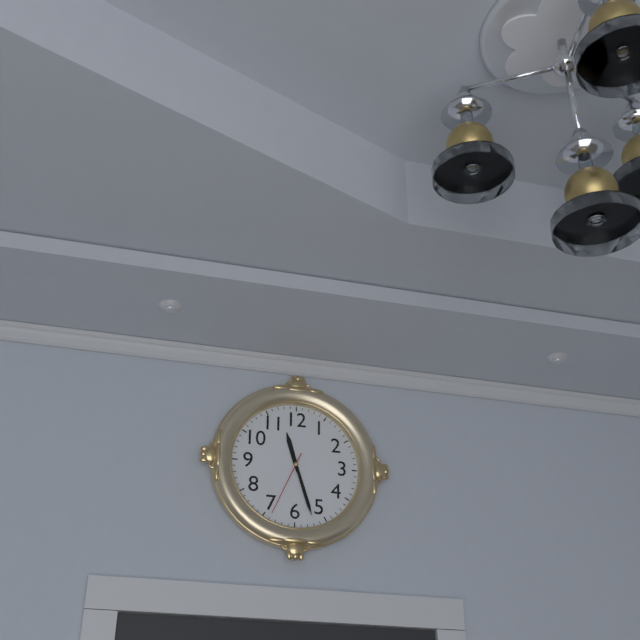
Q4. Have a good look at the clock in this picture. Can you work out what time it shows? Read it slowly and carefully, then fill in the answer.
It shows 11:27:34
